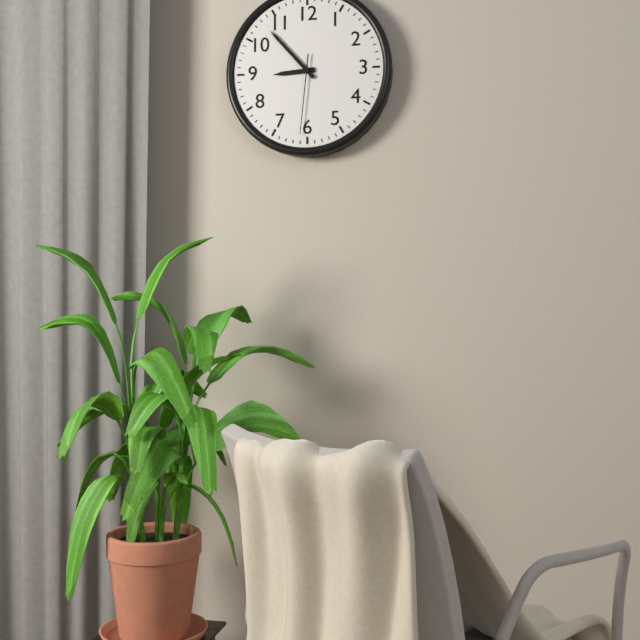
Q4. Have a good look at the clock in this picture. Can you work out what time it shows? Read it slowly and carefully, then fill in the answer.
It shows 8:53:31
